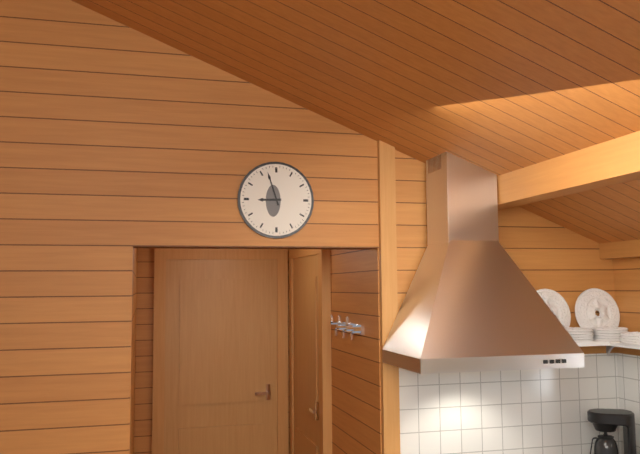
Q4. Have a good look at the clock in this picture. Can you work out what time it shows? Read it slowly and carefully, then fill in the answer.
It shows 8:57
